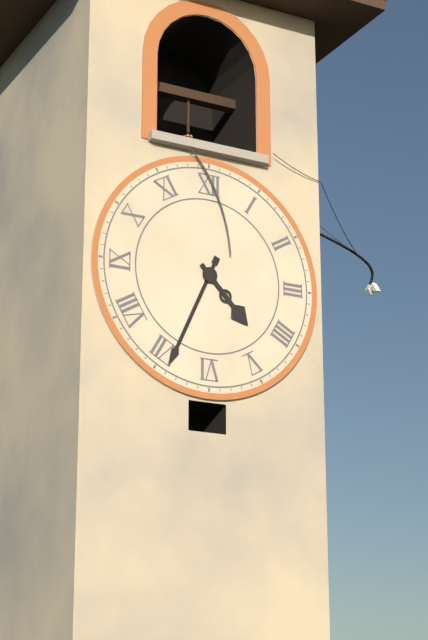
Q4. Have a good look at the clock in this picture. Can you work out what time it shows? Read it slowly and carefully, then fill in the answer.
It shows 4:34
